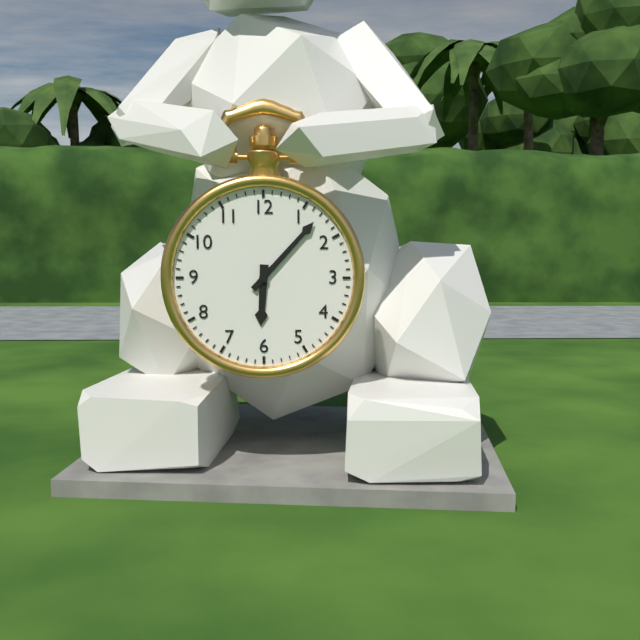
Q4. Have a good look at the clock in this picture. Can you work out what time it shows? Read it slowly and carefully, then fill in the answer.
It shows 6:07
